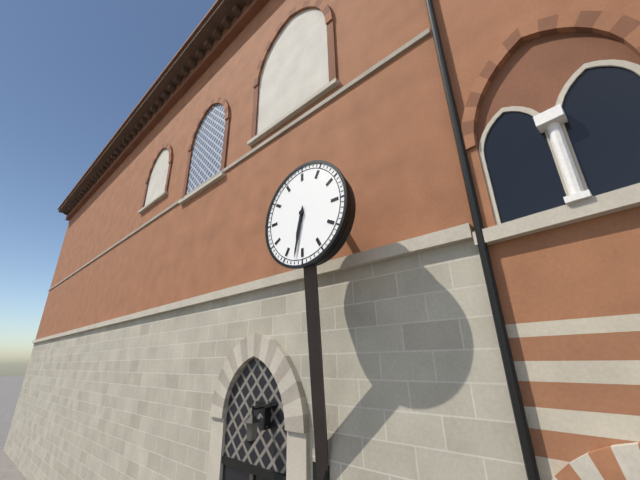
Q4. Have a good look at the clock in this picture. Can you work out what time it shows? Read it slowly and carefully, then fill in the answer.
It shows 6:32
